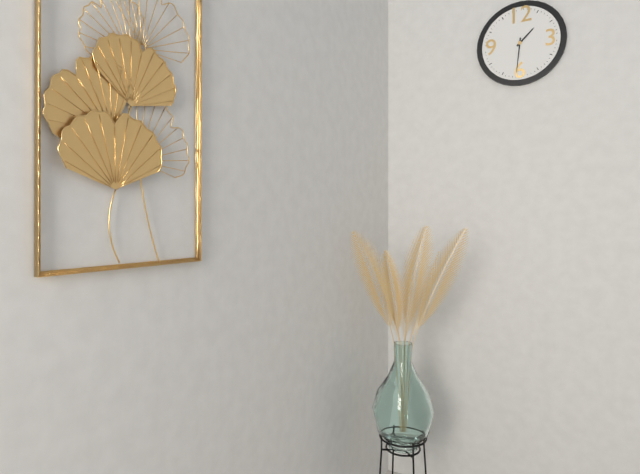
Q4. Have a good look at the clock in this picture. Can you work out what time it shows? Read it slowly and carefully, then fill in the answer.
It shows 1:31
